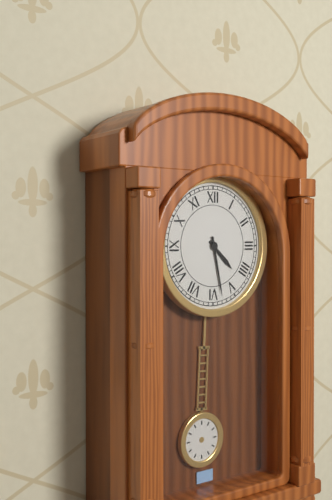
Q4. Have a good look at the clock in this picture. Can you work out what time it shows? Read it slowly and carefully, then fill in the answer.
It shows 4:28
